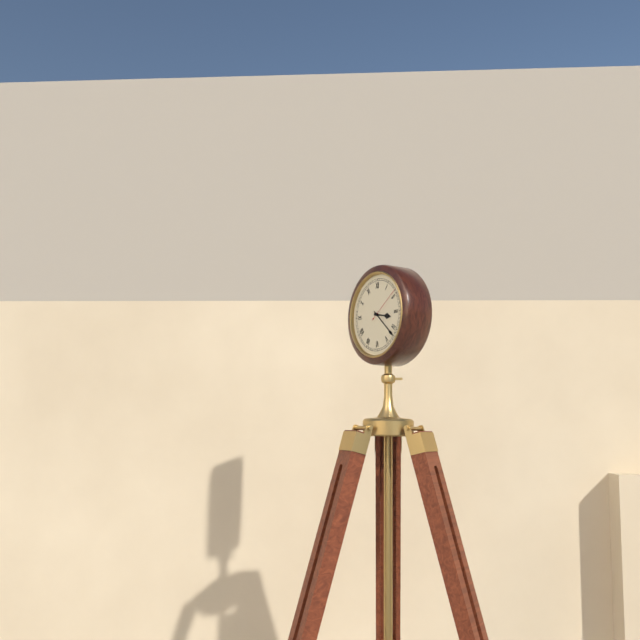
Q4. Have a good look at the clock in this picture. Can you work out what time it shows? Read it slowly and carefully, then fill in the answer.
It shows 3:22
